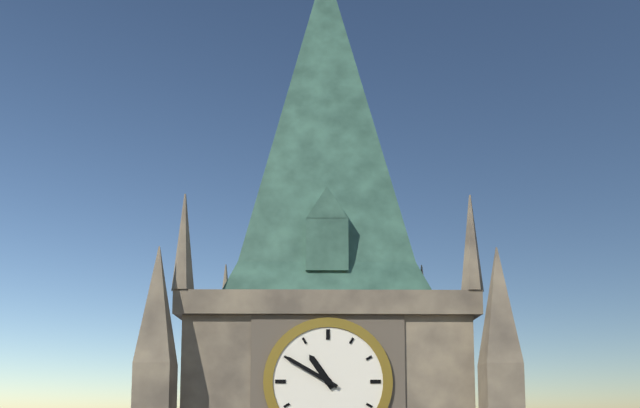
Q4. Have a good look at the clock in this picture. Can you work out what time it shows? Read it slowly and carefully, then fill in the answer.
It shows 10:50
